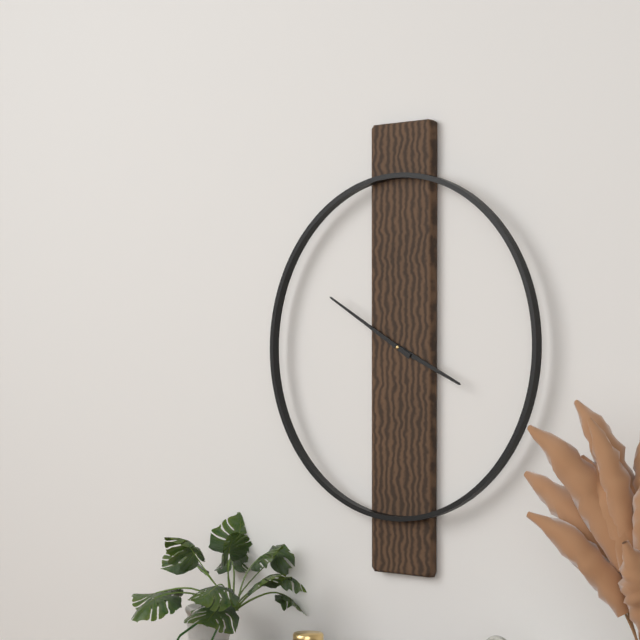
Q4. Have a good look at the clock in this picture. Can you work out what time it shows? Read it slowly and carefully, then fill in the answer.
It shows 3:50
